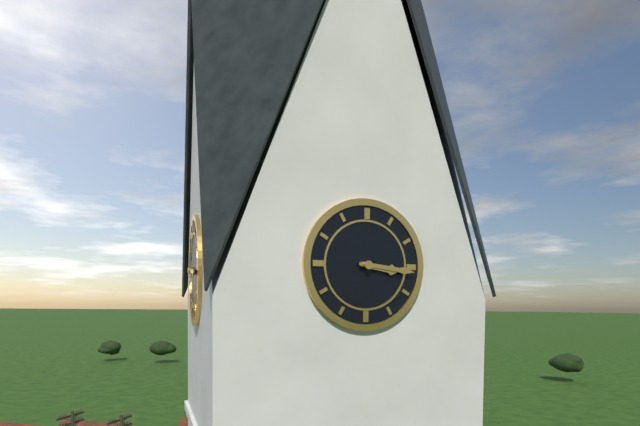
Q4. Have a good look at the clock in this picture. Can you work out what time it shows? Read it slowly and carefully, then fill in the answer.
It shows 3:16
